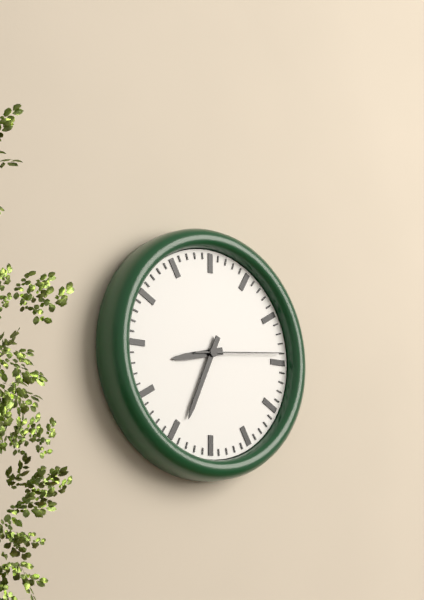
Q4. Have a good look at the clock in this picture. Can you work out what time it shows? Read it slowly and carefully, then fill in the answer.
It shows 8:34:14
